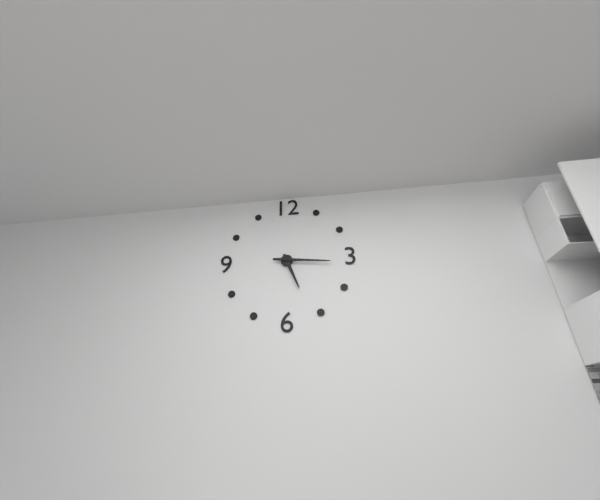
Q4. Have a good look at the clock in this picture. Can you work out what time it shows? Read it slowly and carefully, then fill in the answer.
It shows 5:16
